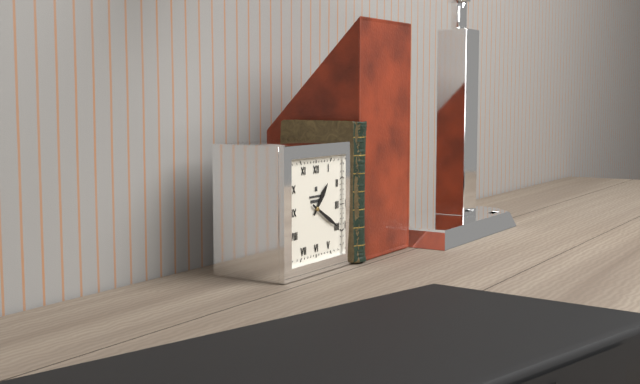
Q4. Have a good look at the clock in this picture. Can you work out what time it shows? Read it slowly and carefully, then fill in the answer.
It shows 1:20
